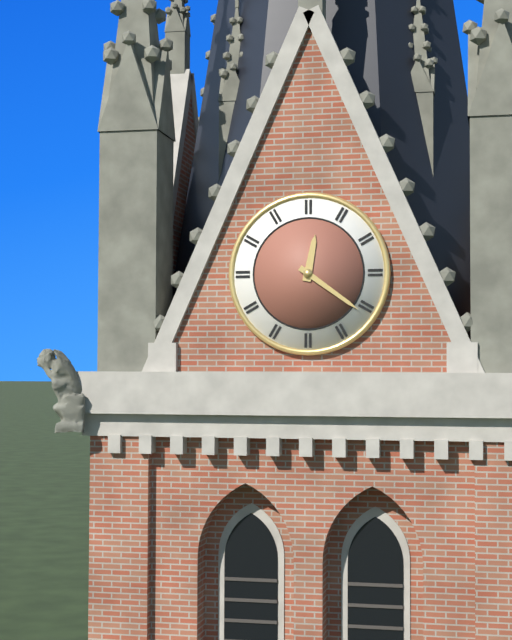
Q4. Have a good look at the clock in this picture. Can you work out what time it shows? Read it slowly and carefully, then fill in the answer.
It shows 12:21
